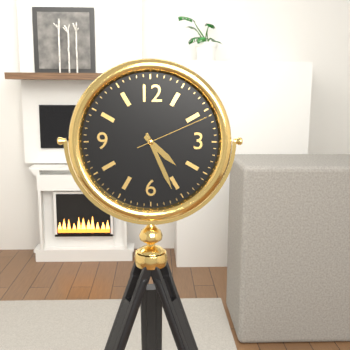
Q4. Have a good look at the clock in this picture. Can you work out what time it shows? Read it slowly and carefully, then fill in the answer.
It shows 4:26:11
